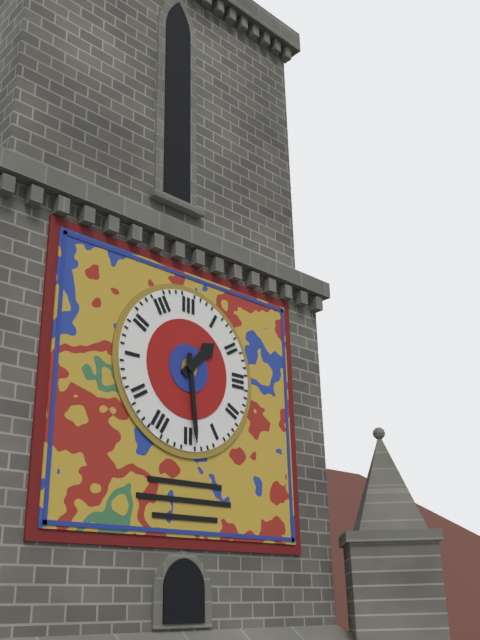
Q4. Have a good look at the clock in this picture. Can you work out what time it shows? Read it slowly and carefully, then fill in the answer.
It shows 1:29
